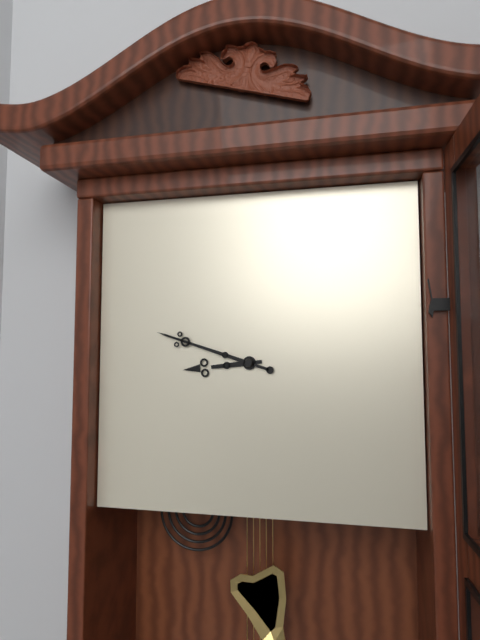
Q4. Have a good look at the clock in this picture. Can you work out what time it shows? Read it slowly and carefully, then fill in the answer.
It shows 8:48
